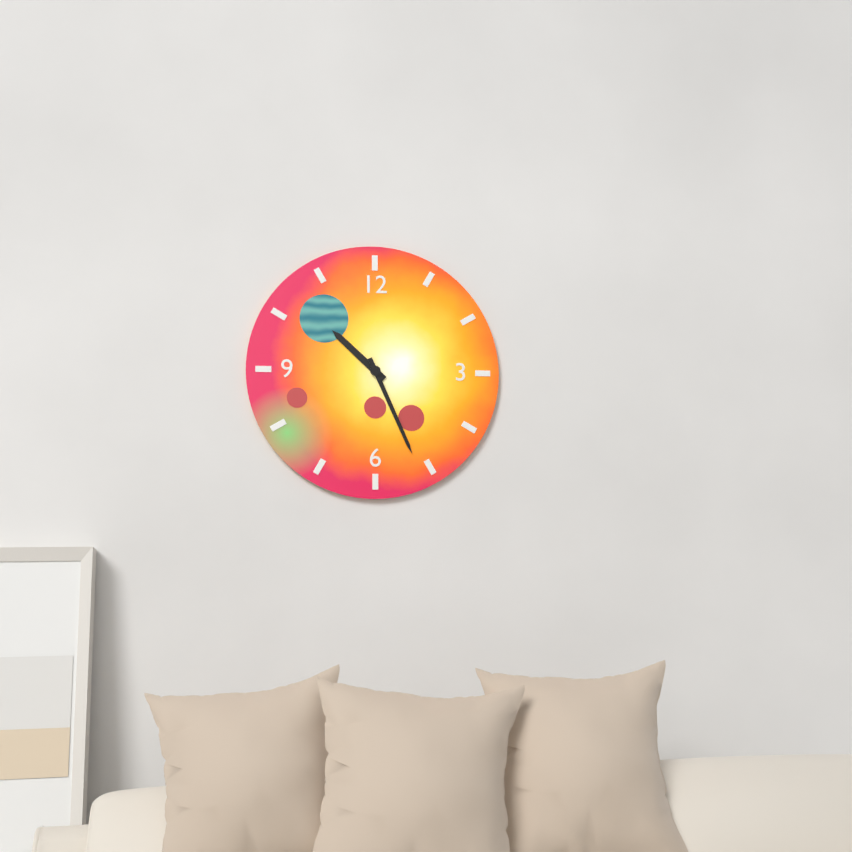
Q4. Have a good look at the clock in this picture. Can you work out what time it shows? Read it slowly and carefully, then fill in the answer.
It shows 10:26
